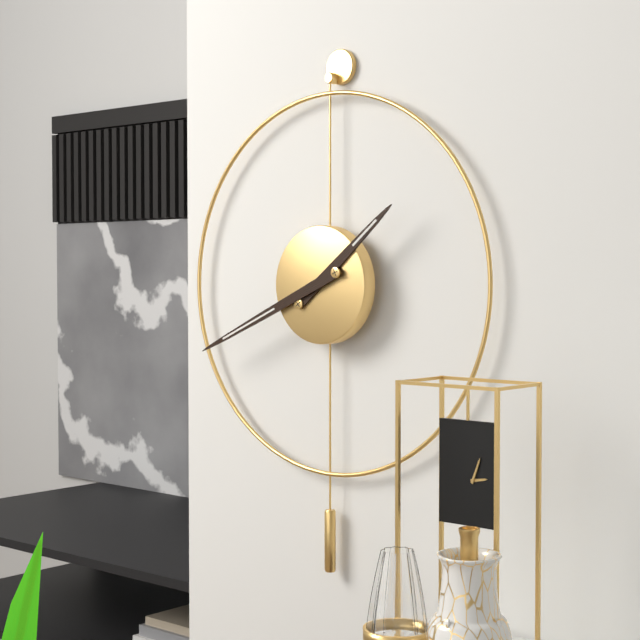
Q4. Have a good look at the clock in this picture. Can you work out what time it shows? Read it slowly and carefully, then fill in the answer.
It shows 1:41
